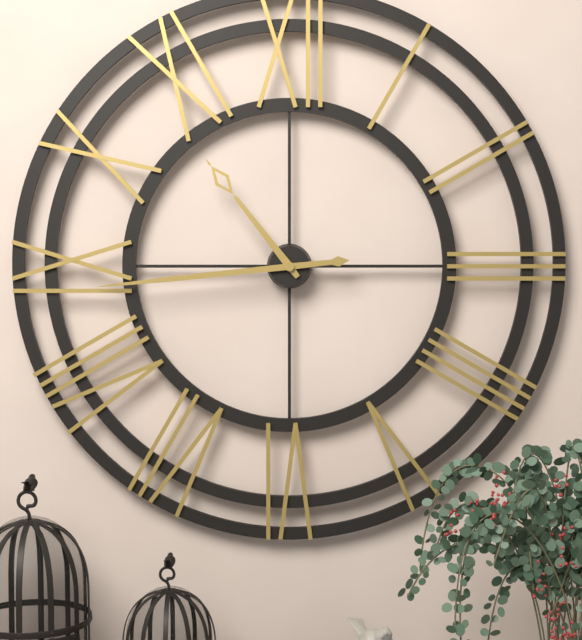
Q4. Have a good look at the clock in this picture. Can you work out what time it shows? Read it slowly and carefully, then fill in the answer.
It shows 10:44
